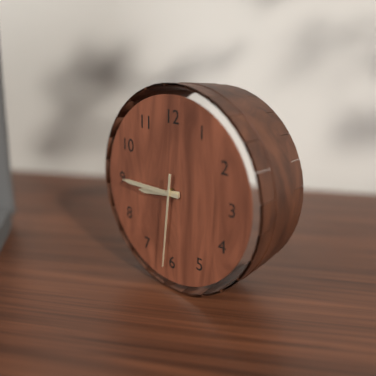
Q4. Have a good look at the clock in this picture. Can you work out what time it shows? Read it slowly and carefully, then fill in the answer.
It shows 8:45:31
